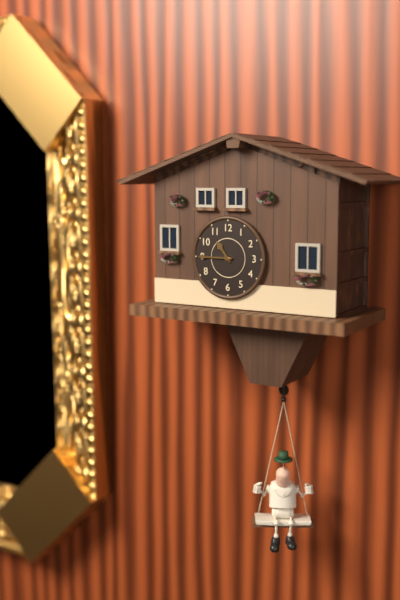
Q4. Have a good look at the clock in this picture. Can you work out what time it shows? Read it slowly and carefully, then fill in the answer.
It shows 10:45
